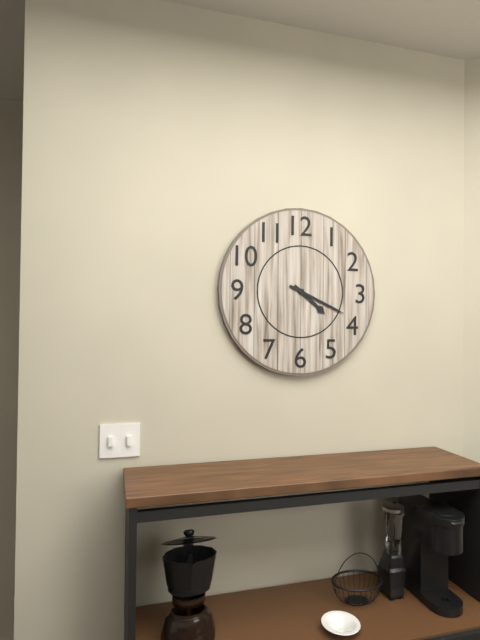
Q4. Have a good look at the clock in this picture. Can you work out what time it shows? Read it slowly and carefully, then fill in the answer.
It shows 4:19
